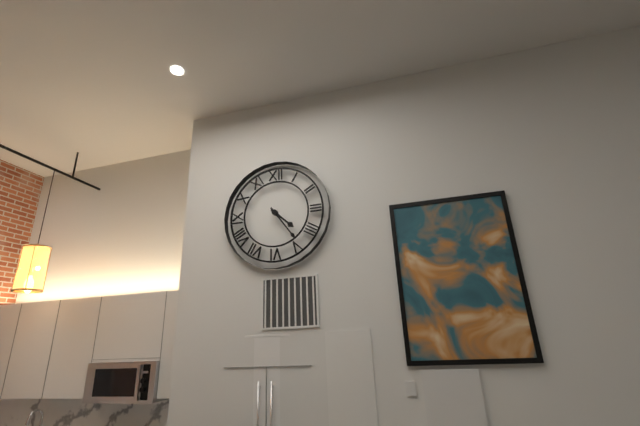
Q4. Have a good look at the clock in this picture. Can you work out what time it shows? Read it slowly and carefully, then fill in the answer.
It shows 4:24
